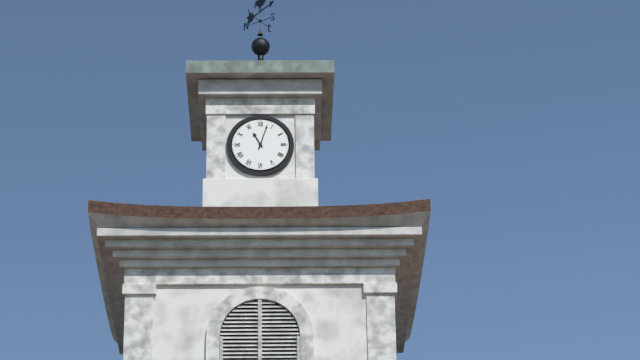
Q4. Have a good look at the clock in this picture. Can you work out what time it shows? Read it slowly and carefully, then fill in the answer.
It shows 11:03
